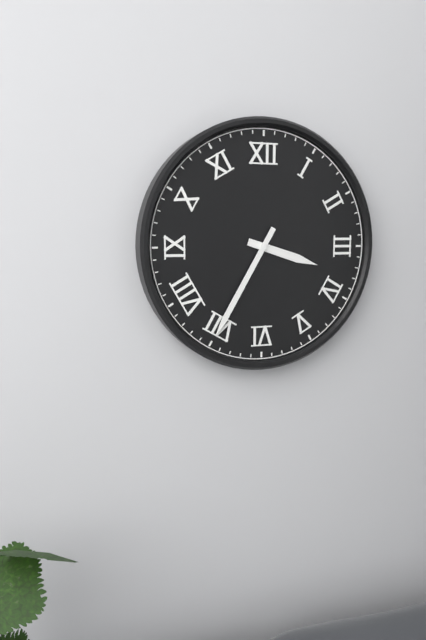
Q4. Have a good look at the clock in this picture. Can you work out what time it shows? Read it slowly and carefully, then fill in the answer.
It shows 3:35
